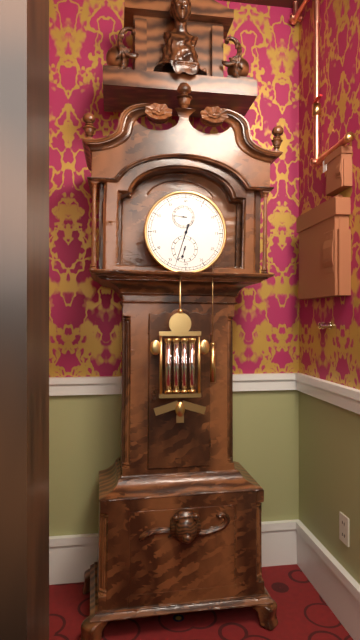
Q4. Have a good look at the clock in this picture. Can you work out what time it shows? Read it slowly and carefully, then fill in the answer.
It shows 6:33
